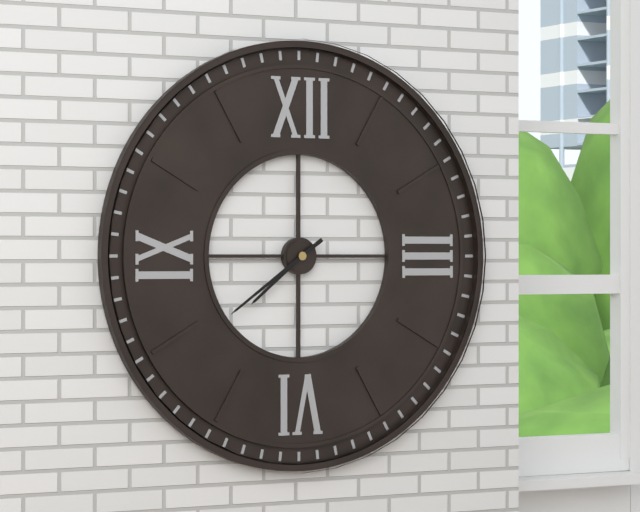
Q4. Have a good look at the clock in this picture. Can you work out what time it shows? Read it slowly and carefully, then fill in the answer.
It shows 7:39
